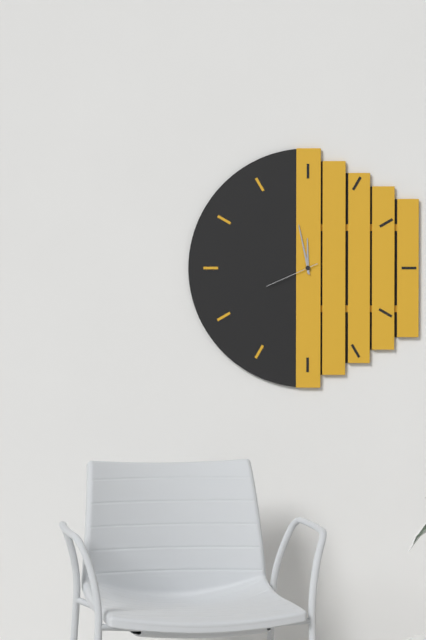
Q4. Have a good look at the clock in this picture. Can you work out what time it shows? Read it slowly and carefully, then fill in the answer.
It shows 11:58:41
